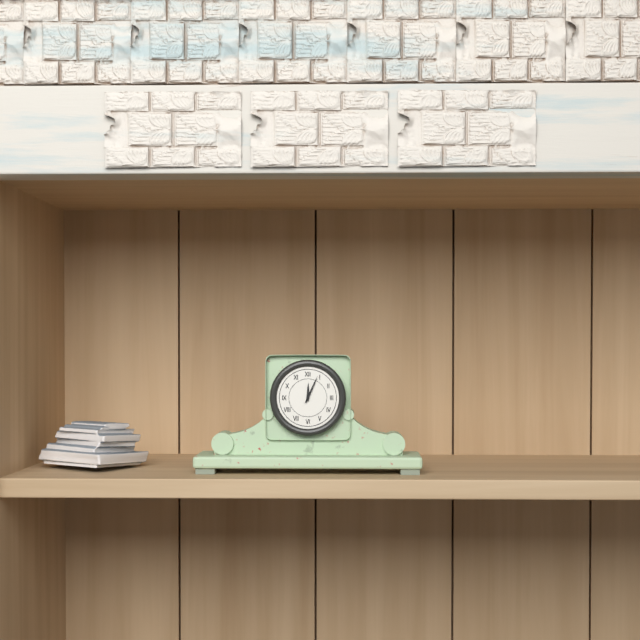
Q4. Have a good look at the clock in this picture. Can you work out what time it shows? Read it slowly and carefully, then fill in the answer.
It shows 12:04
